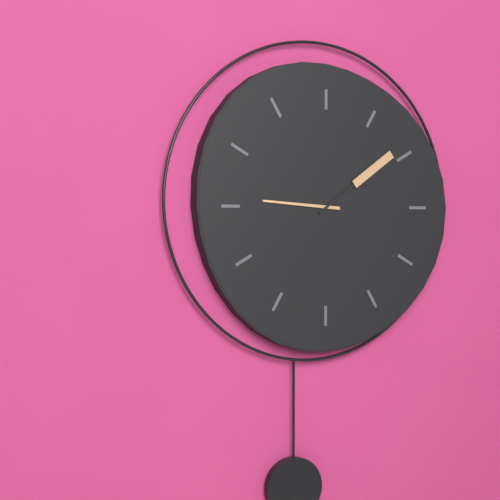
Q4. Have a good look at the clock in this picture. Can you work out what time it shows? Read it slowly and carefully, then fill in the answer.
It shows 9:09
